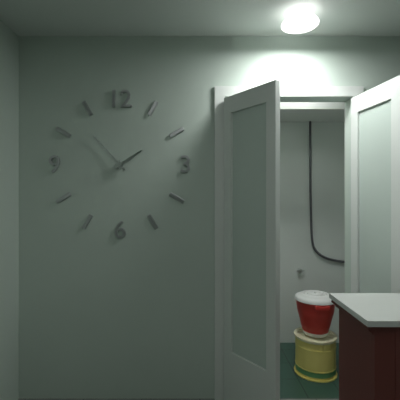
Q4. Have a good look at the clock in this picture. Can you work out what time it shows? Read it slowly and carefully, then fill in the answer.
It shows 1:53
